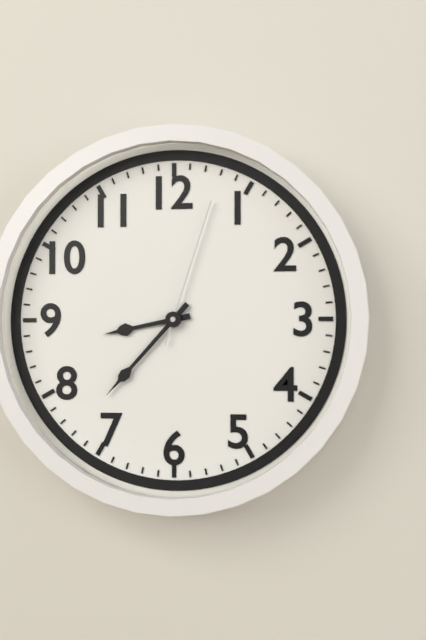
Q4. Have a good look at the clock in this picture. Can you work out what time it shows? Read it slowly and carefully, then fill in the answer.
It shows 8:37:03
